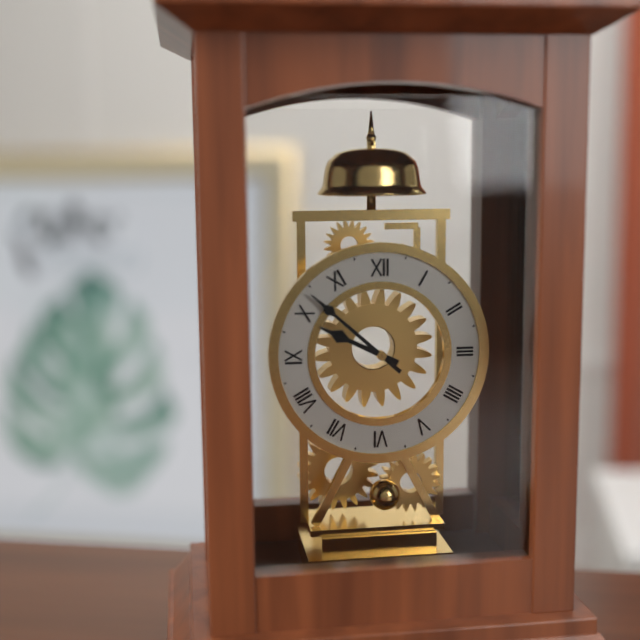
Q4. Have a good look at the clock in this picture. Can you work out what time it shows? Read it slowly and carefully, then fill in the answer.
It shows 9:52
